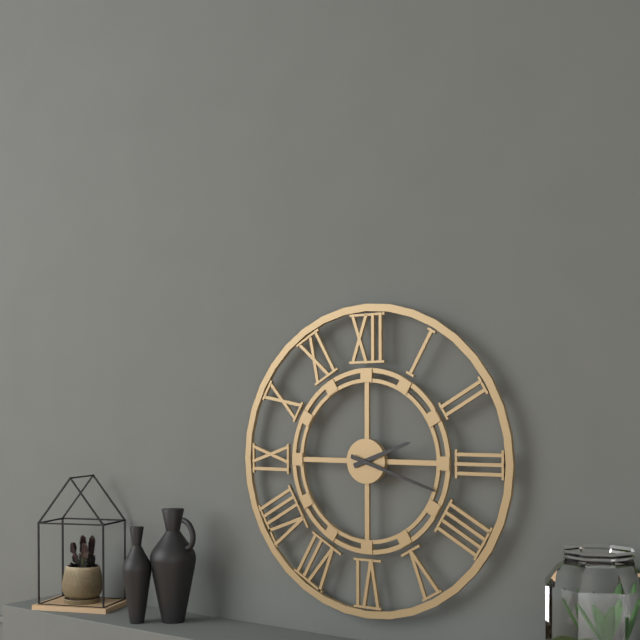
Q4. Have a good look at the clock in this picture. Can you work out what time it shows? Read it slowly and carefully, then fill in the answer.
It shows 2:18
